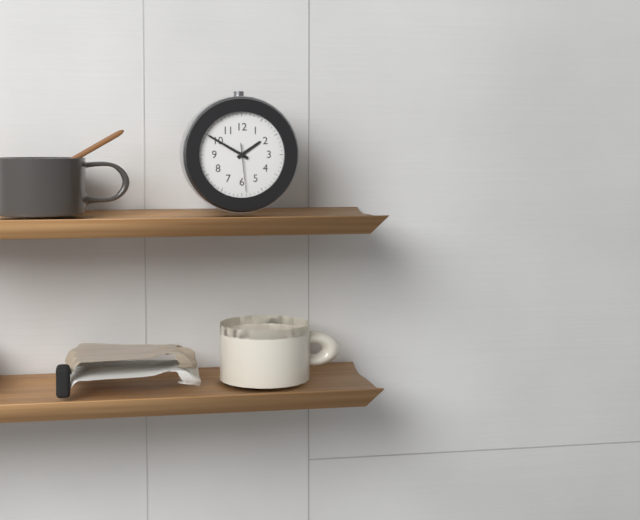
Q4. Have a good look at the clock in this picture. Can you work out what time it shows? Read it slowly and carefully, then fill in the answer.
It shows 1:50
